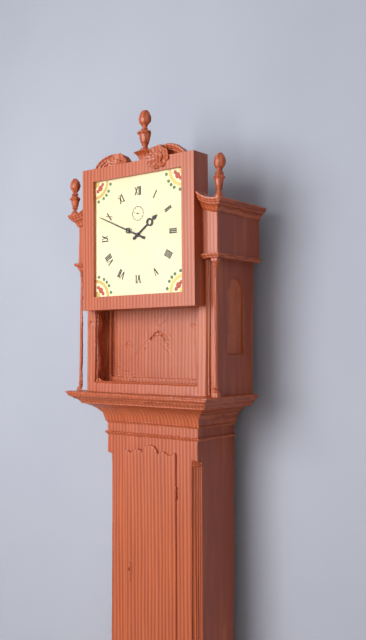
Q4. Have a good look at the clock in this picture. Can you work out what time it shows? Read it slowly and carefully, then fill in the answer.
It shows 1:49
